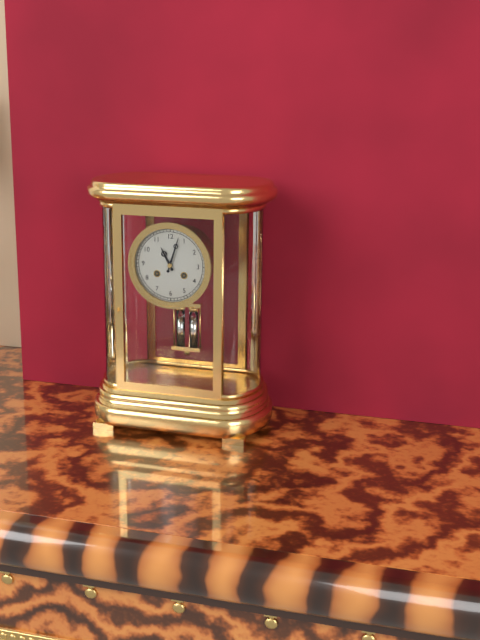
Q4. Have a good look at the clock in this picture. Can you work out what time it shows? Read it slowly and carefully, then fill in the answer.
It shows 11:03
